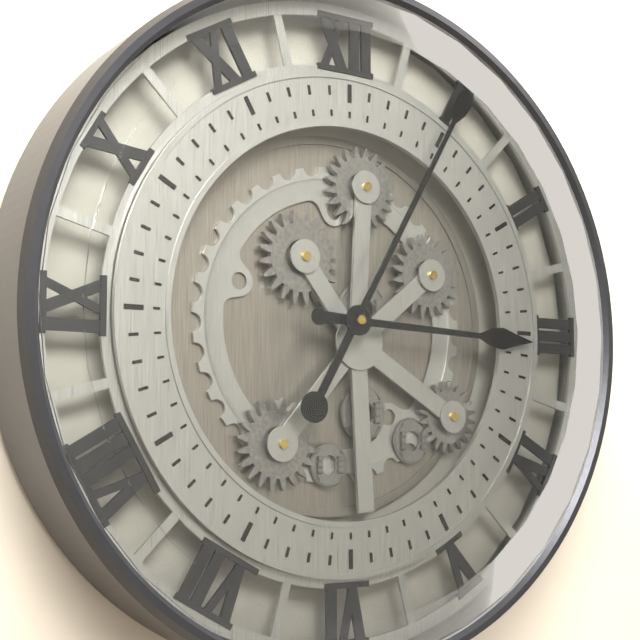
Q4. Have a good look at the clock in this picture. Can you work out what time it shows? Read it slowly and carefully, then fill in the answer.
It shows 3:05
